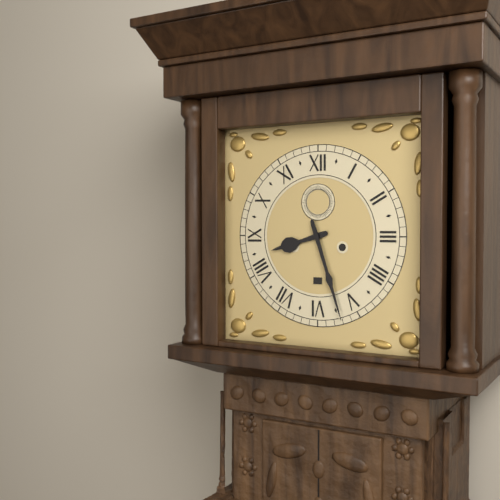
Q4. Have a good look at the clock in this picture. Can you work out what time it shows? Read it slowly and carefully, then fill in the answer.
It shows 8:27
